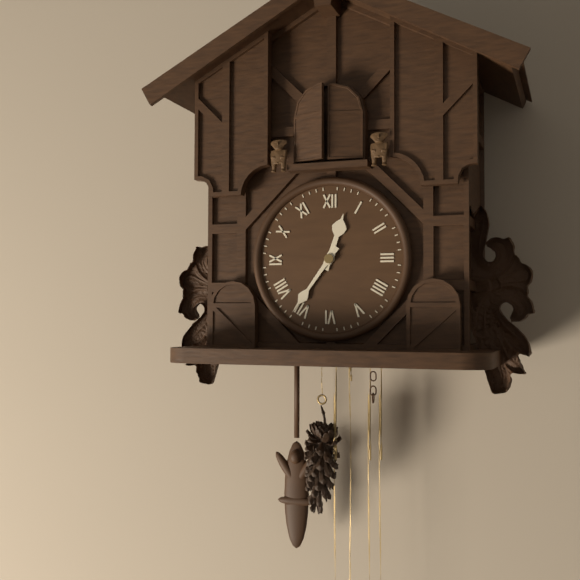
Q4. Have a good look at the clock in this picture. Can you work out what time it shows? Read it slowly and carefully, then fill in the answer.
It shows 12:36
